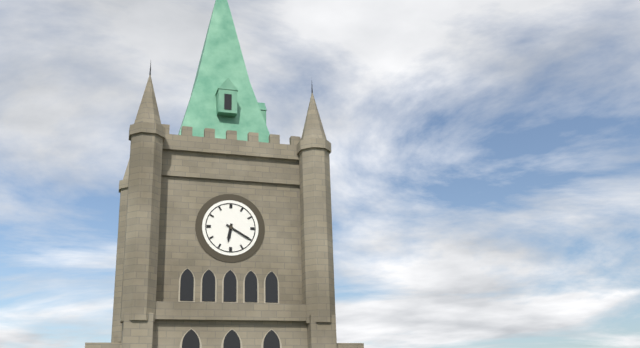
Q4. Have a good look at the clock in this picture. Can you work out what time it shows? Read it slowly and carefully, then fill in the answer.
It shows 6:20
